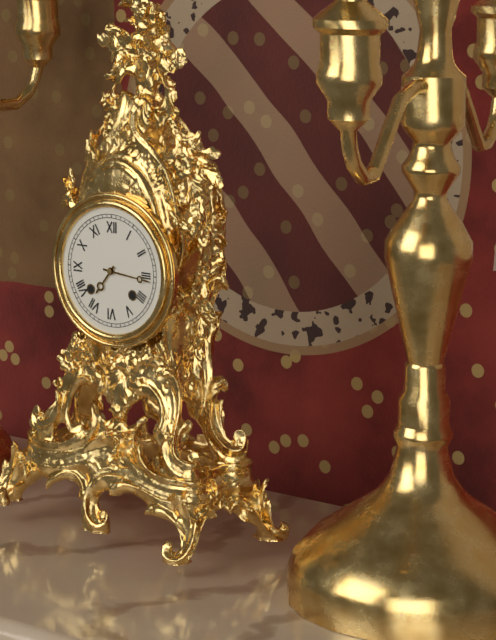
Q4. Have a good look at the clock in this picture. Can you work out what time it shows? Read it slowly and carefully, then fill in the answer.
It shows 7:16
